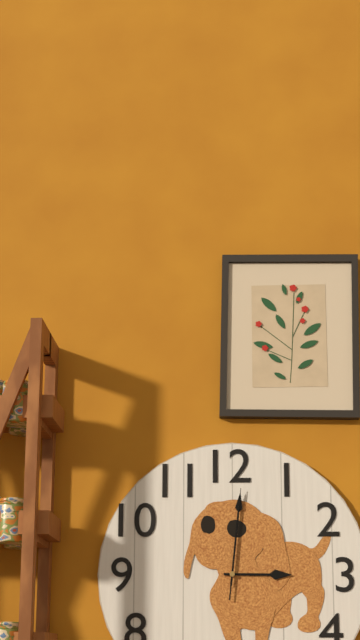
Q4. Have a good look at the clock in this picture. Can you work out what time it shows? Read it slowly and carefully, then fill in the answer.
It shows 3:01:01
